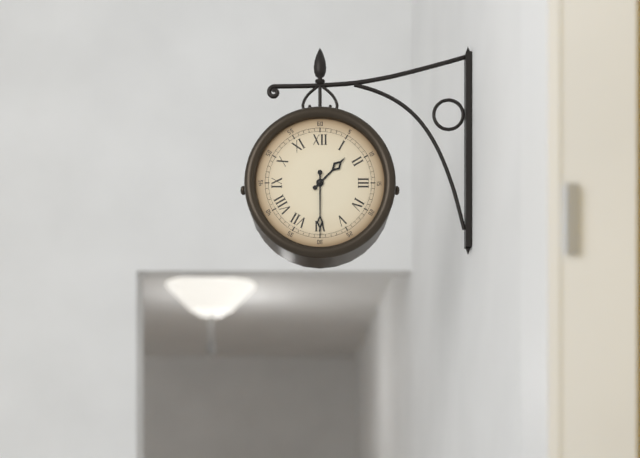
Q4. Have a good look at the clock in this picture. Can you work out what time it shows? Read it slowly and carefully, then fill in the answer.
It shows 1:30
